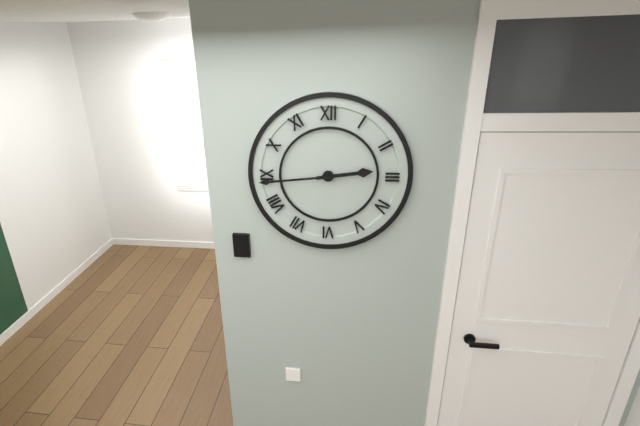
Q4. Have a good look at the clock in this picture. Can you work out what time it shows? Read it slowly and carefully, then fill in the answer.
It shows 2:44
